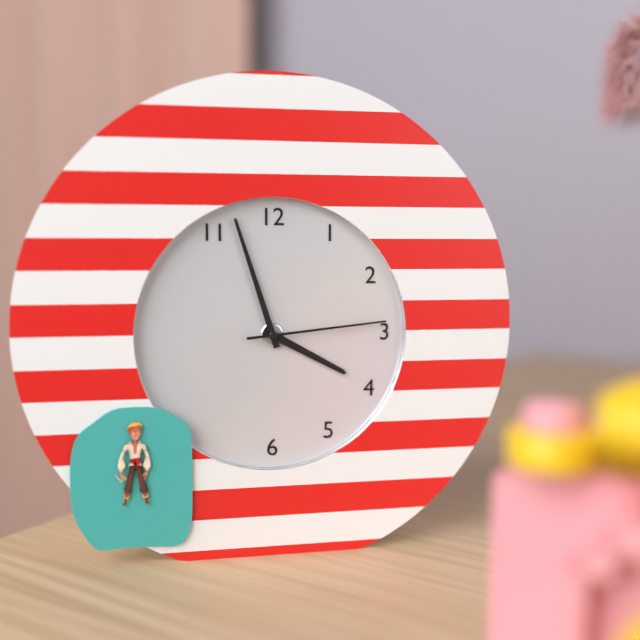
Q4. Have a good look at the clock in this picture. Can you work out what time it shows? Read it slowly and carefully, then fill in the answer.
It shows 3:57:14
